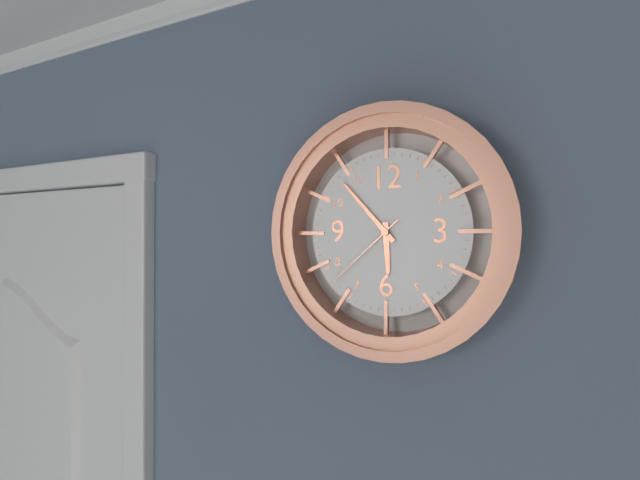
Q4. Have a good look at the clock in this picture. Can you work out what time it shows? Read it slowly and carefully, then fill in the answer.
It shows 5:53:38
